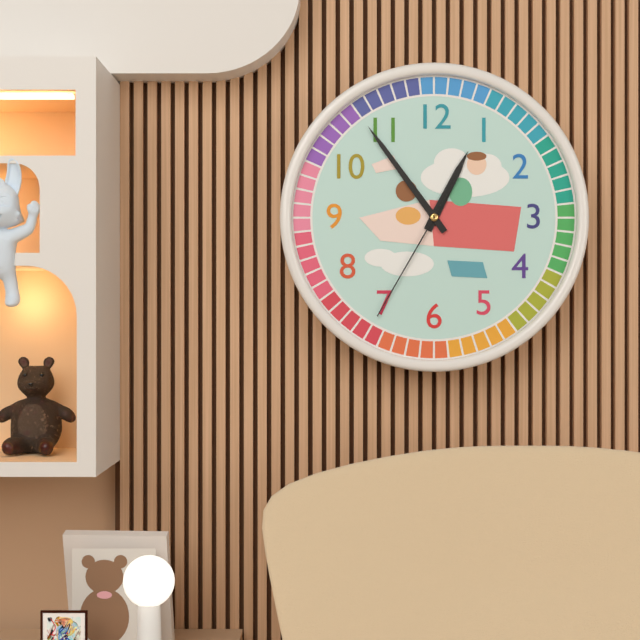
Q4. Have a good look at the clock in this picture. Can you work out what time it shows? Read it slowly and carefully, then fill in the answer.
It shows 12:54:35
